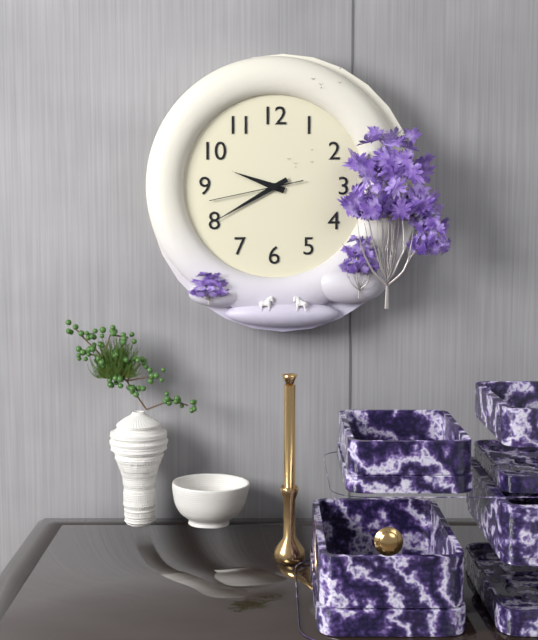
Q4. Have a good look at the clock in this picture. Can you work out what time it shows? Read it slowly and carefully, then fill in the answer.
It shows 9:40:43
